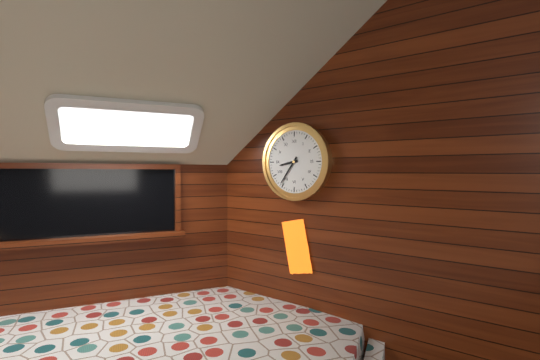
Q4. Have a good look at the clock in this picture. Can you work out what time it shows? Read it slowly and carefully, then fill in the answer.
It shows 8:36
